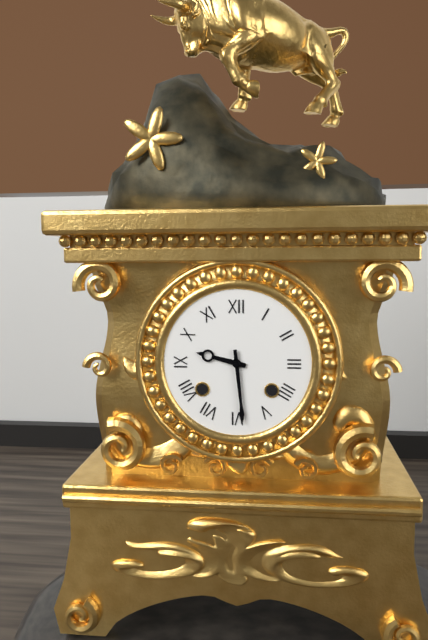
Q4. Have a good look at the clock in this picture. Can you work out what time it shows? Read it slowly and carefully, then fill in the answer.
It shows 9:29
